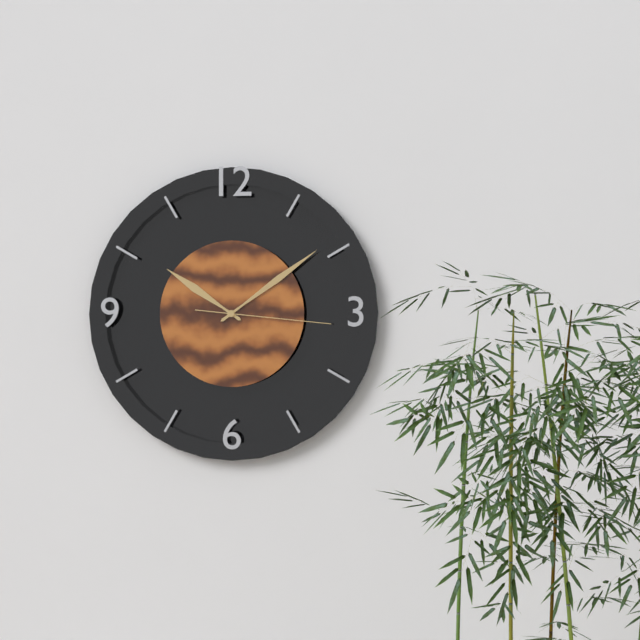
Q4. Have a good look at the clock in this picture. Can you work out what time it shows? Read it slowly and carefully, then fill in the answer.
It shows 10:09:16
